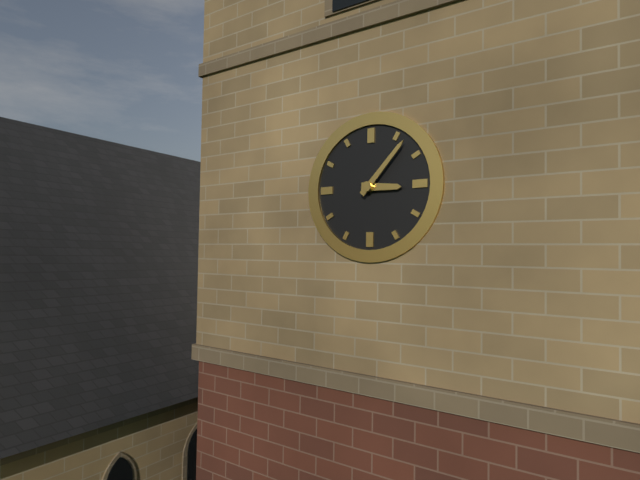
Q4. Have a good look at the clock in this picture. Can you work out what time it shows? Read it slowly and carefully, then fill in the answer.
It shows 3:07
